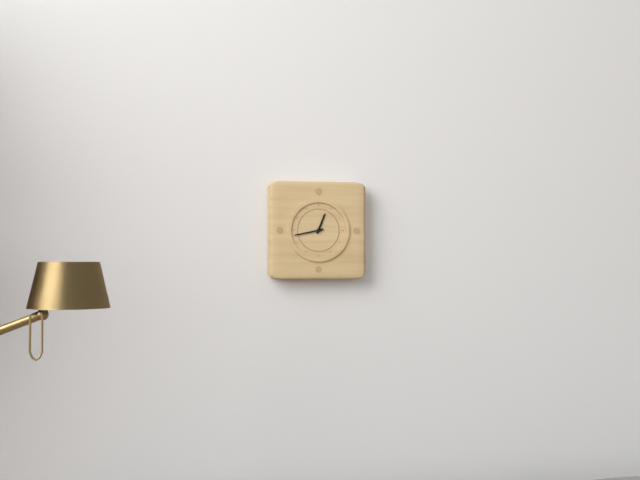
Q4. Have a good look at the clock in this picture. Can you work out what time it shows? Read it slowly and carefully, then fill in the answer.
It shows 12:43
